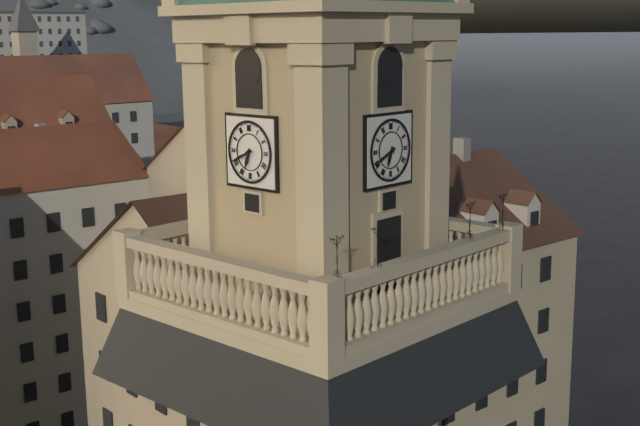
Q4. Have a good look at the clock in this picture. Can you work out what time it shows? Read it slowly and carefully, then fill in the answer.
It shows 6:41
